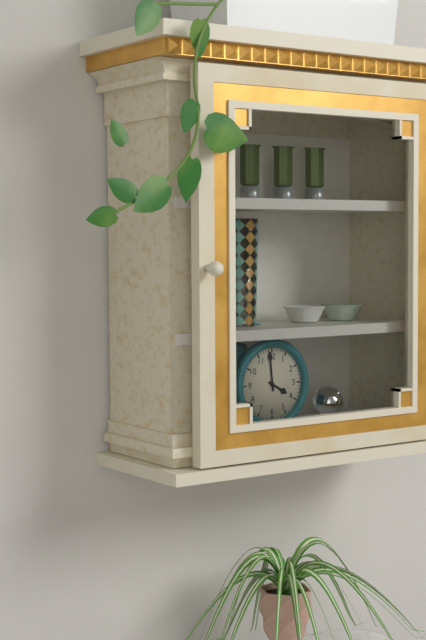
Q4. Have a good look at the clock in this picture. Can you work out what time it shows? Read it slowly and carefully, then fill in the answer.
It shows 3:59
